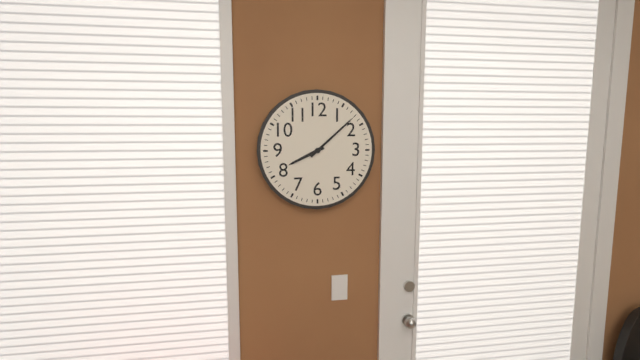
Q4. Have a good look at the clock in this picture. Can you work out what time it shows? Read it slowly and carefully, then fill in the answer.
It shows 8:08
